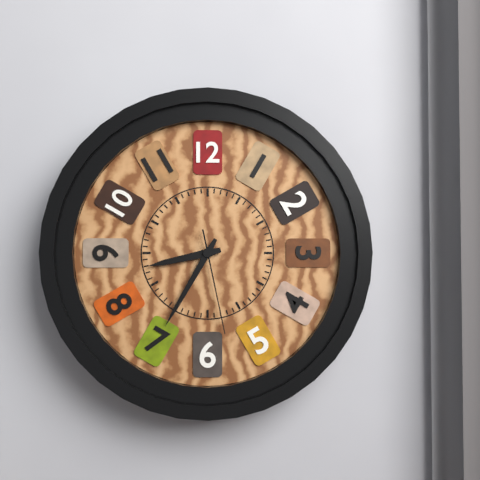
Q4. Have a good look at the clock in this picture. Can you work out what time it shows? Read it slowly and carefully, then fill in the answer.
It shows 8:35:28
